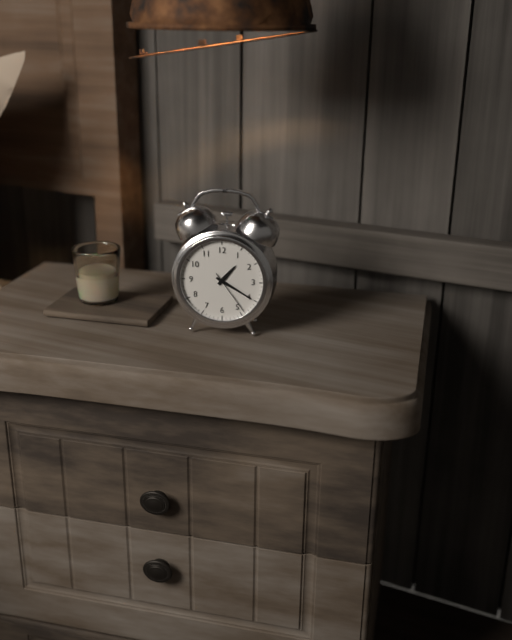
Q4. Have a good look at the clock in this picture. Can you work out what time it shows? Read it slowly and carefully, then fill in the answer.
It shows 1:20
